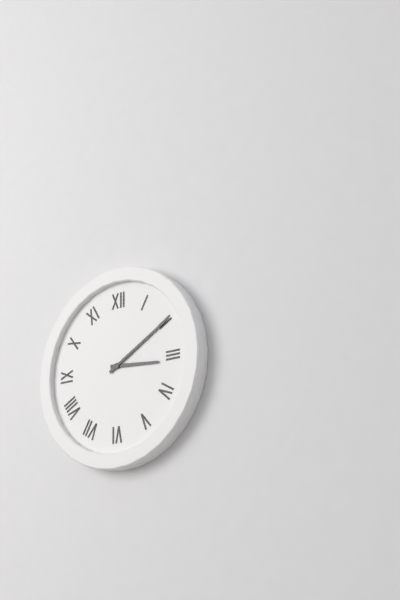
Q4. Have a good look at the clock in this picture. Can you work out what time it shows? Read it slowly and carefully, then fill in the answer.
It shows 3:10
